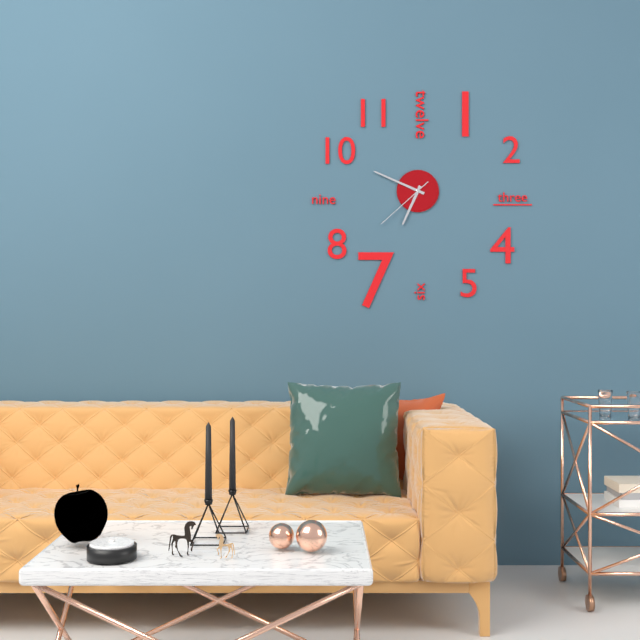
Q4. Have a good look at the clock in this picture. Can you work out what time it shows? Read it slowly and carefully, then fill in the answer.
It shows 6:49:38
